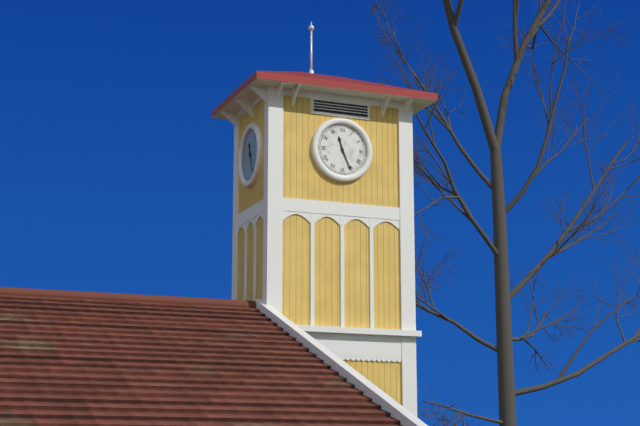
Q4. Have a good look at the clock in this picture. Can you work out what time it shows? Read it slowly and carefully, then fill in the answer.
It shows 11:26
